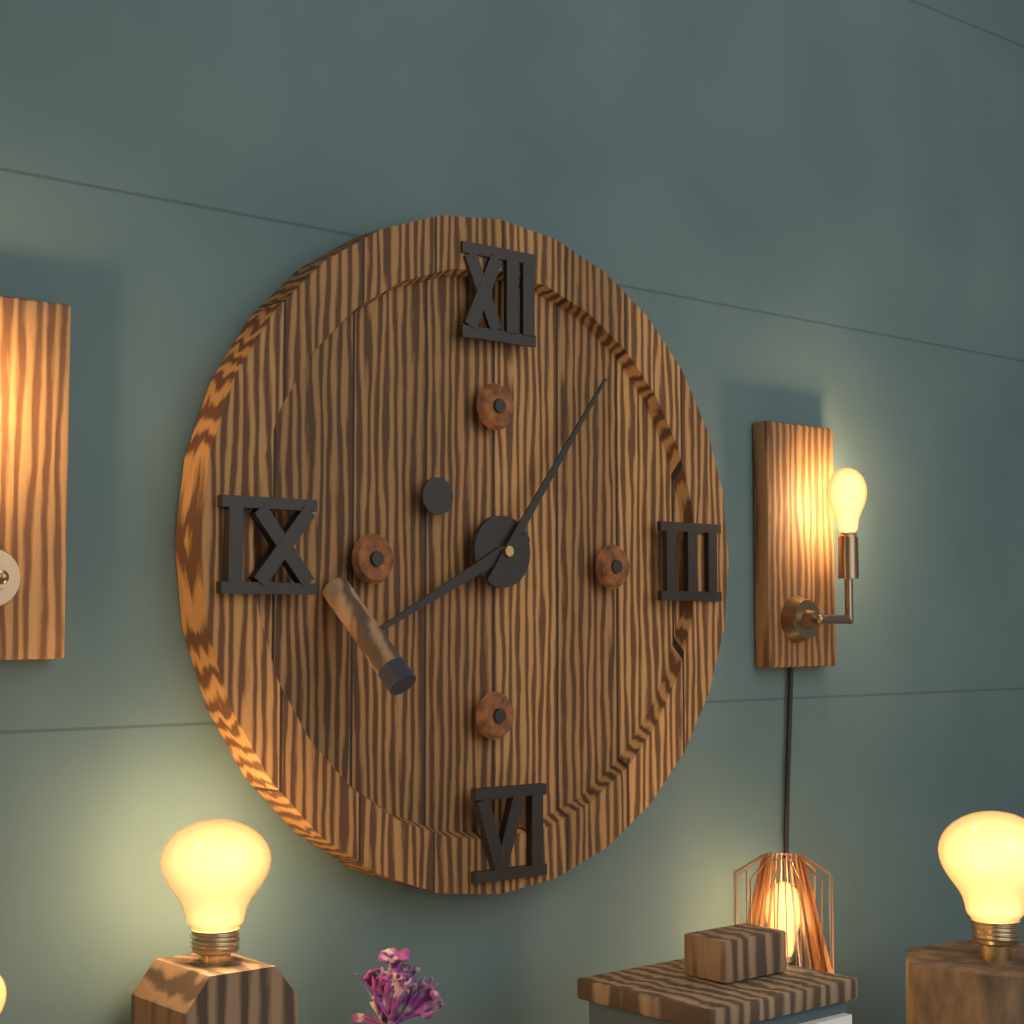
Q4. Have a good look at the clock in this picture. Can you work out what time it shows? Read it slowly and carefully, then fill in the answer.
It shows 8:06
